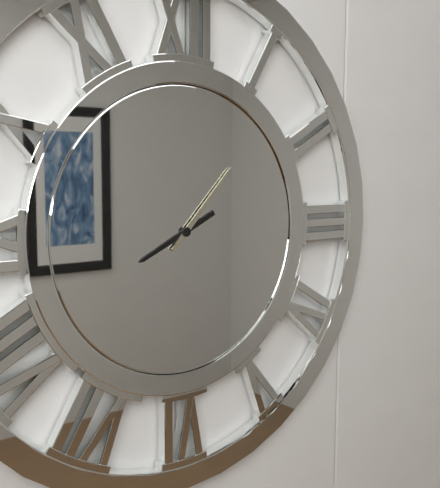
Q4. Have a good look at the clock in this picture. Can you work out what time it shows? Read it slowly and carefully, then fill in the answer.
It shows 8:07
